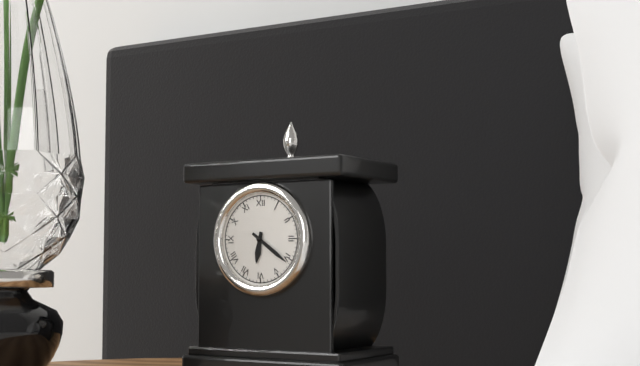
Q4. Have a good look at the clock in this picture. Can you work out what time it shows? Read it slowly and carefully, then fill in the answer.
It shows 6:21
